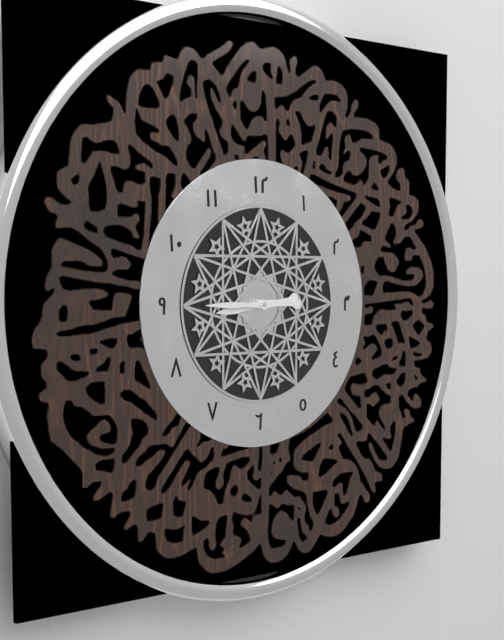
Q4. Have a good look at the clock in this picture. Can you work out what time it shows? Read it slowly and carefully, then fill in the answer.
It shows 8:45
